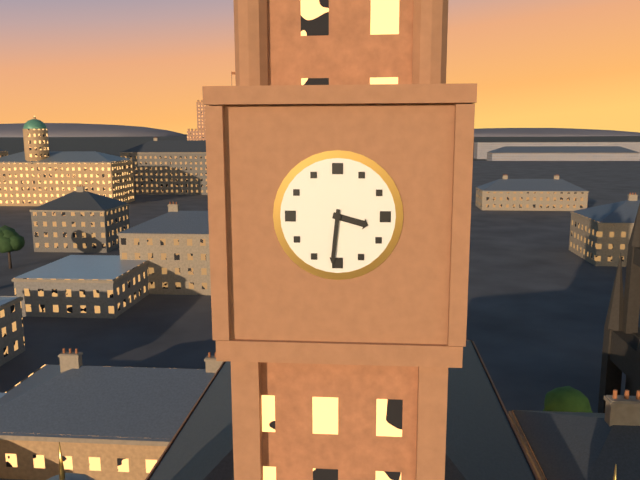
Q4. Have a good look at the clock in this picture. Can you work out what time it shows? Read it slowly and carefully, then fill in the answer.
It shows 3:31
